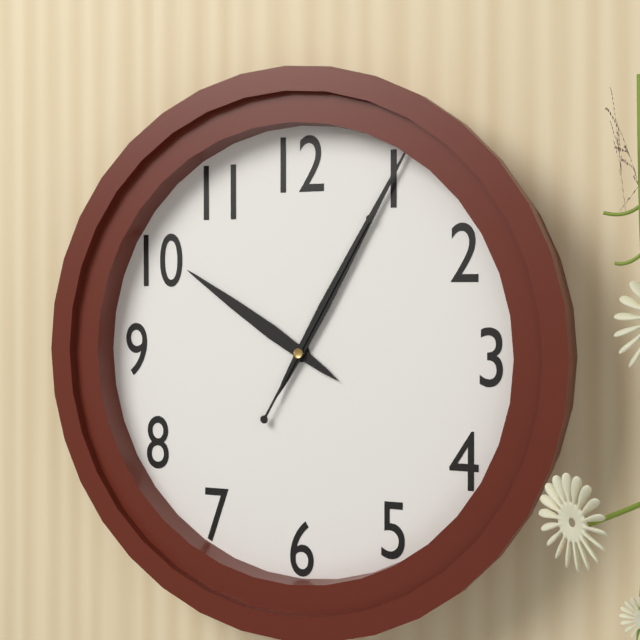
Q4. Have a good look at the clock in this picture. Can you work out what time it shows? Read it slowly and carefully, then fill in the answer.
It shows 10:05:05
